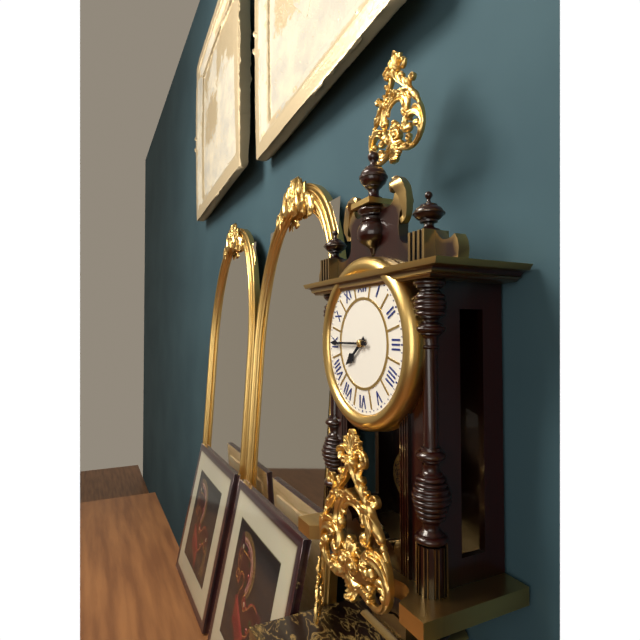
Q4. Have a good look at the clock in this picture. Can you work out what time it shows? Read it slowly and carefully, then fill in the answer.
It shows 7:45
